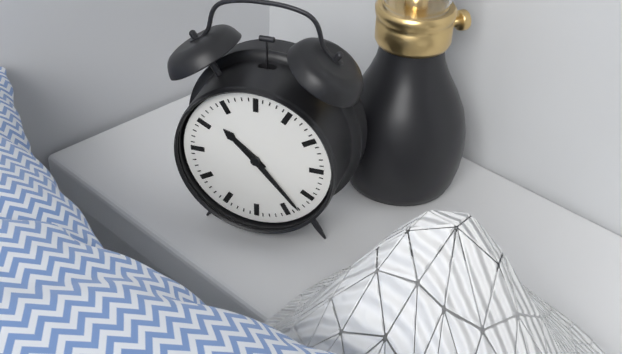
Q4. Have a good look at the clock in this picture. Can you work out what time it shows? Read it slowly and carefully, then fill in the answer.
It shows 10:23
